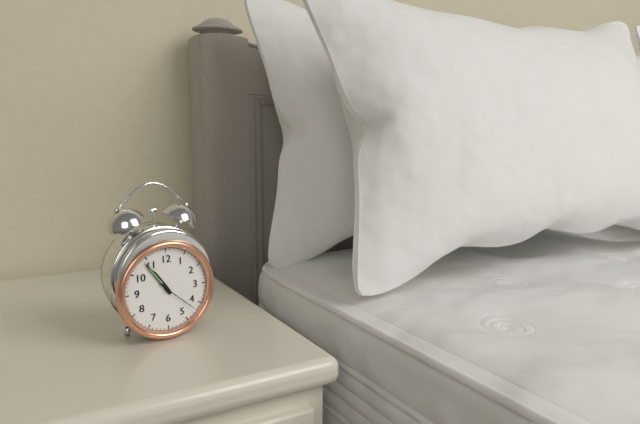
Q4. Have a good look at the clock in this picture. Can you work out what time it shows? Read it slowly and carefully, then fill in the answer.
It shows 10:54
